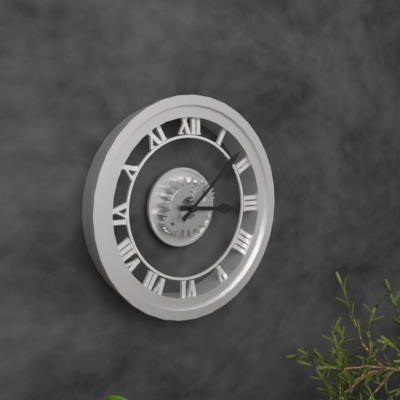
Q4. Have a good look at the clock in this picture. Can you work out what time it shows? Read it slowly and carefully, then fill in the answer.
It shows 3:08
